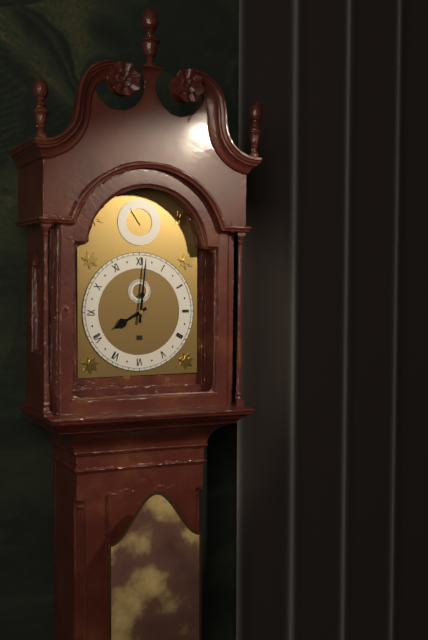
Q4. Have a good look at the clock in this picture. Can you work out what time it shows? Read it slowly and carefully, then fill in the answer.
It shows 8:01
